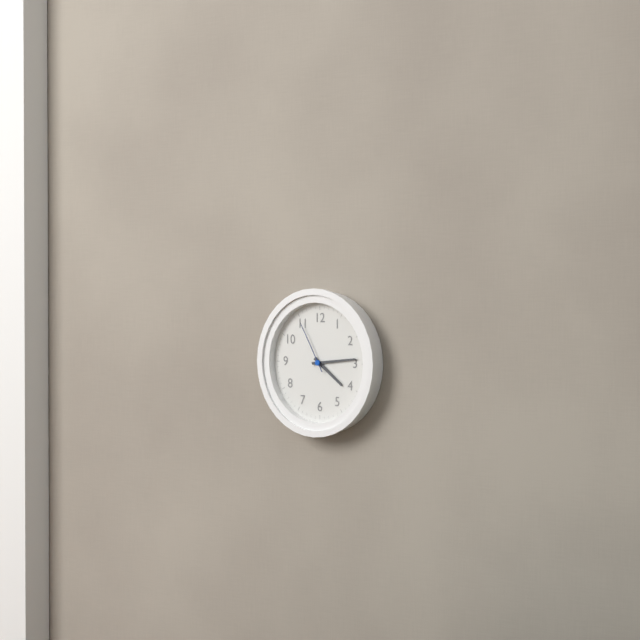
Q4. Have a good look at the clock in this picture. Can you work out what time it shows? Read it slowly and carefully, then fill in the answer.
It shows 4:14:55
